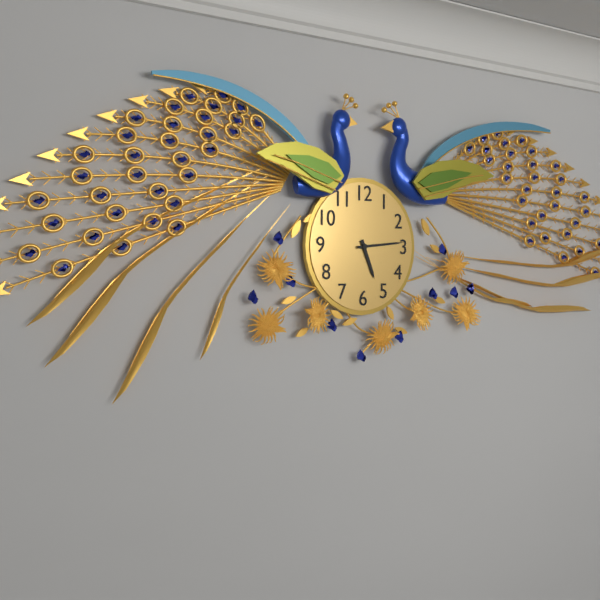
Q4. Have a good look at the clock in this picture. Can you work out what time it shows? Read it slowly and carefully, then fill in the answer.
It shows 5:14
